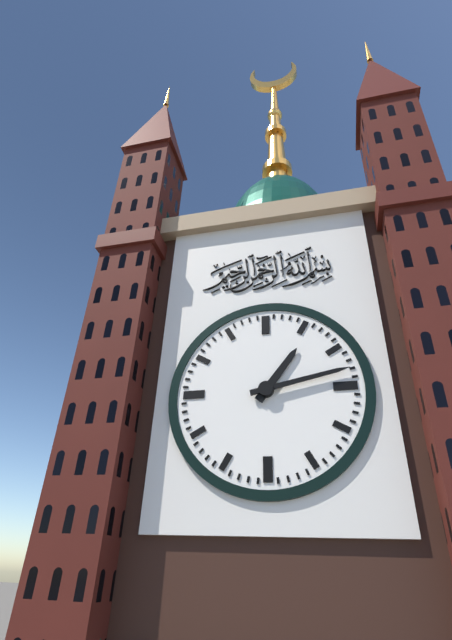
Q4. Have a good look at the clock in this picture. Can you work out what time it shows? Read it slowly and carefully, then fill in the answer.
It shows 1:13
